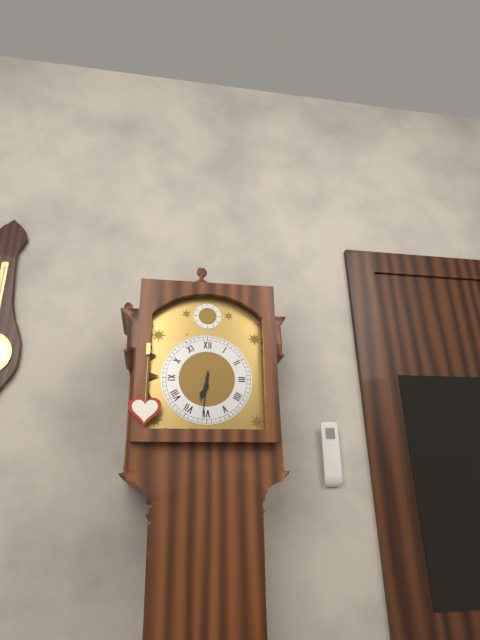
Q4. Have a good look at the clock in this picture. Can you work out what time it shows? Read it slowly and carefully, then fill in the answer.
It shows 6:31
